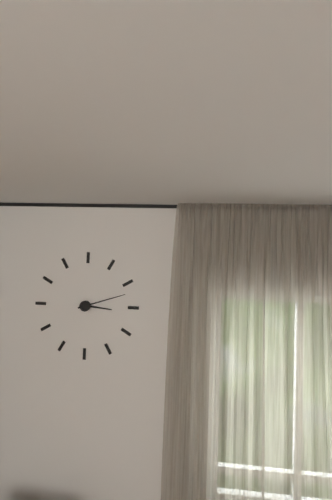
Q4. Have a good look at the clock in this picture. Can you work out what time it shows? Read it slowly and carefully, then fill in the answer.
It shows 3:12
